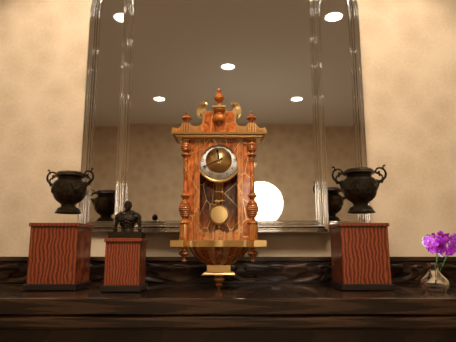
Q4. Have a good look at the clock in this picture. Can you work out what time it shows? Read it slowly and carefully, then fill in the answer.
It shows 11:41
